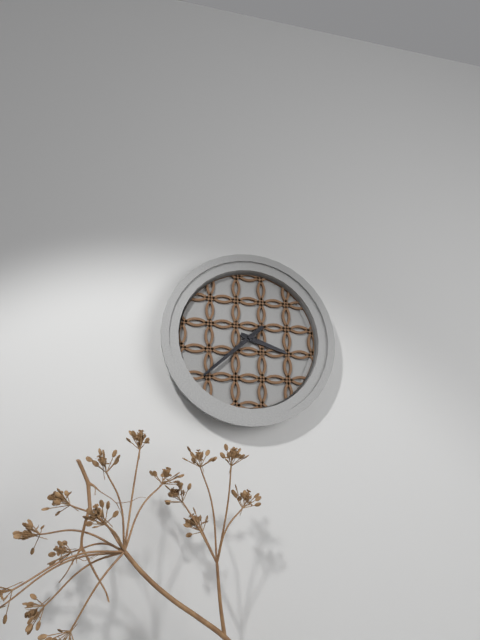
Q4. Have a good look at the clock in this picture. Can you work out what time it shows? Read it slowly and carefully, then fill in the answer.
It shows 3:38
